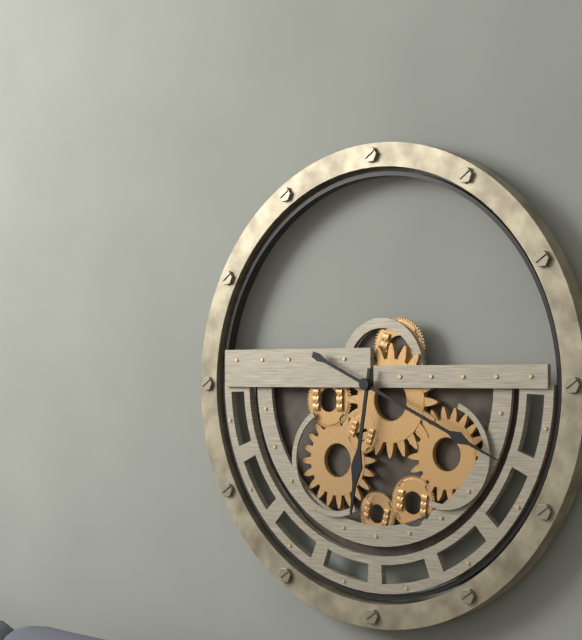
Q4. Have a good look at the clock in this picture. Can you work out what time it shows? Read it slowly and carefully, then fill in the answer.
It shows 6:19
